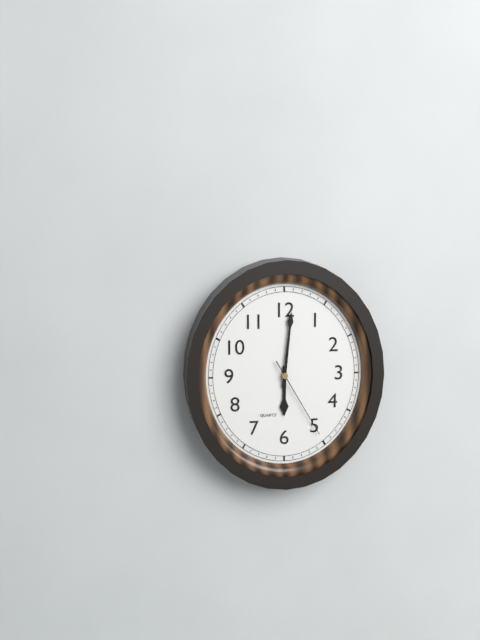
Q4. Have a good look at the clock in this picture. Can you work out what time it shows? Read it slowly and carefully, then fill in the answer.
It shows 6:01:25
